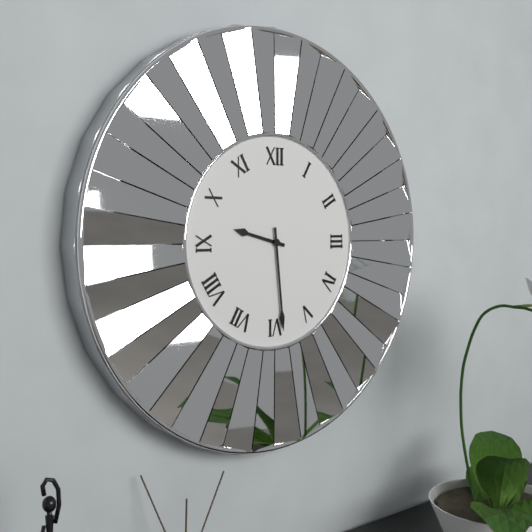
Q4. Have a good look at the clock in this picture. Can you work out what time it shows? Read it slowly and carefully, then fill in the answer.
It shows 9:29
